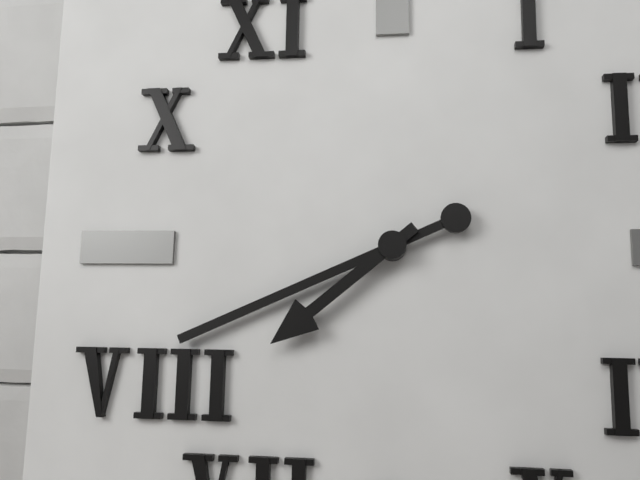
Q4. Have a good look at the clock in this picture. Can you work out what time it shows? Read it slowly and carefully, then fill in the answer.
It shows 7:41
